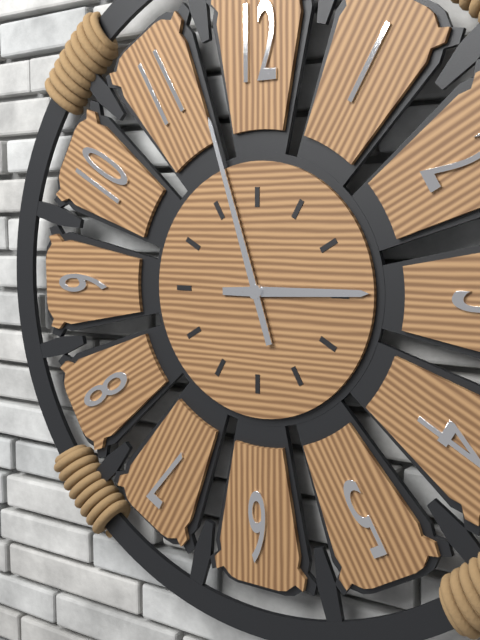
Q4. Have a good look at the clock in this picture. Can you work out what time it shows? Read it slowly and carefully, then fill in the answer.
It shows 2:57
